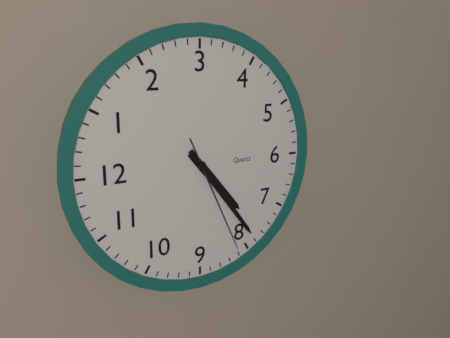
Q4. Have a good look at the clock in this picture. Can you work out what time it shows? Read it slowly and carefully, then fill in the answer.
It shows 7:39:41
